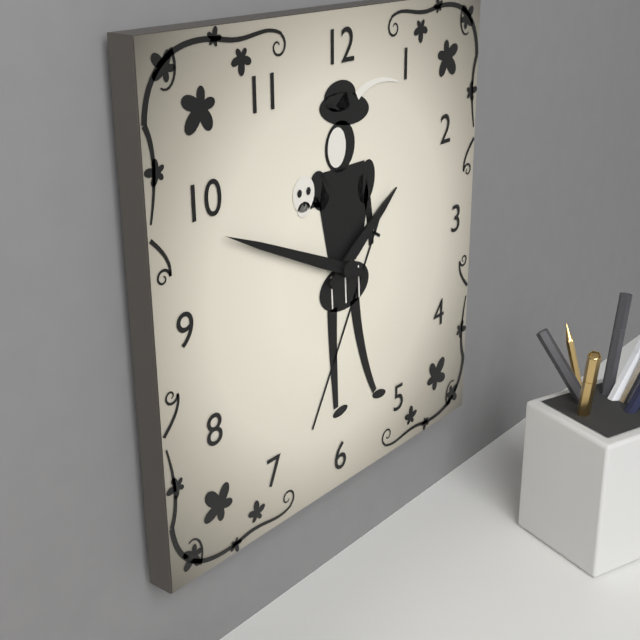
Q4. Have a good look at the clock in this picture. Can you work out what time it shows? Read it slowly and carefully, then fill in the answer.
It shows 1:49
